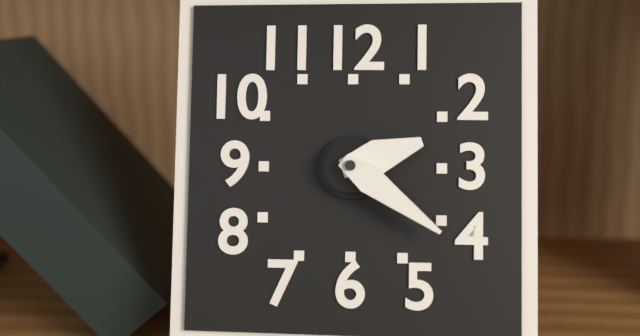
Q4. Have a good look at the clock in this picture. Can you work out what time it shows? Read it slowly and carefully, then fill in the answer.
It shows 2:21
